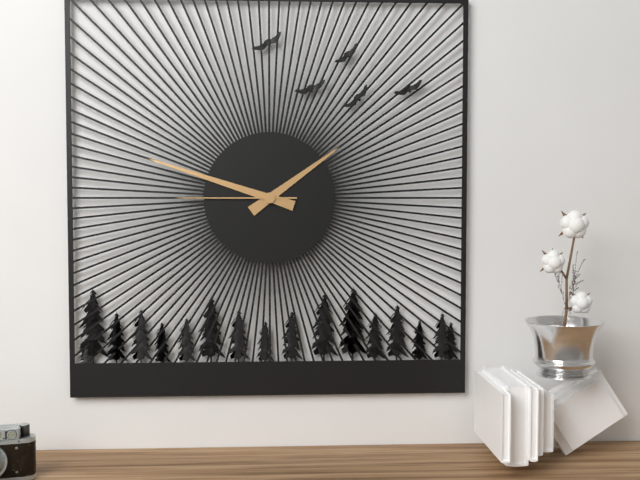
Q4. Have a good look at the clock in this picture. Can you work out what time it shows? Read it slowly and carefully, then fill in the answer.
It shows 1:48:45
